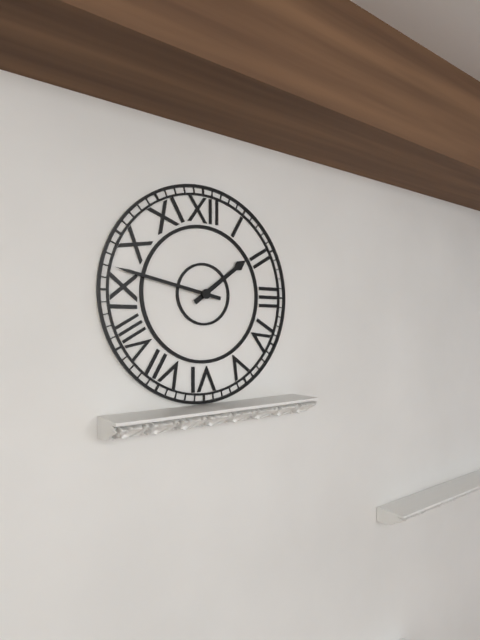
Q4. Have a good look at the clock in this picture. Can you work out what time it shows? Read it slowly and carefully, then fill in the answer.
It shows 1:47
